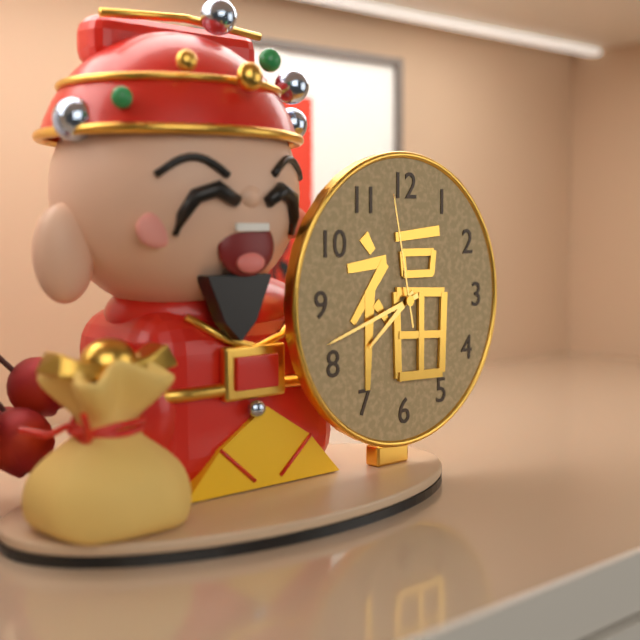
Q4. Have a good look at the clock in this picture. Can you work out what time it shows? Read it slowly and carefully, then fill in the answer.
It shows 7:42:58
